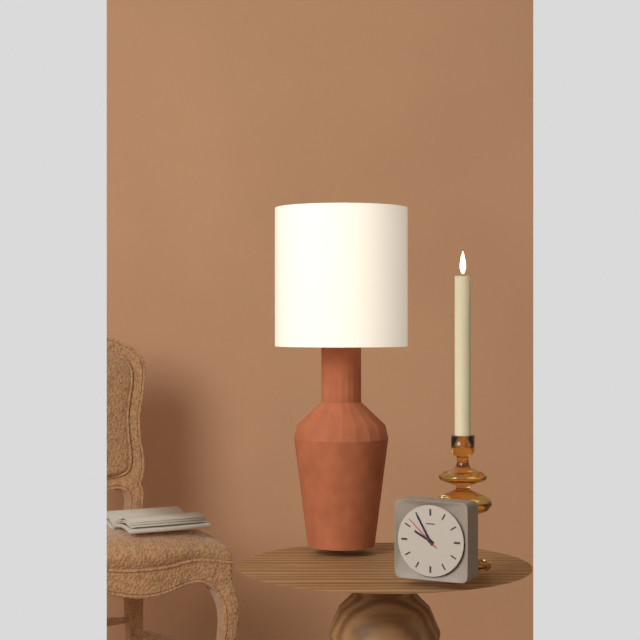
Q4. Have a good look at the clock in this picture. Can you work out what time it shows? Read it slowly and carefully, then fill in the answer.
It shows 9:55
